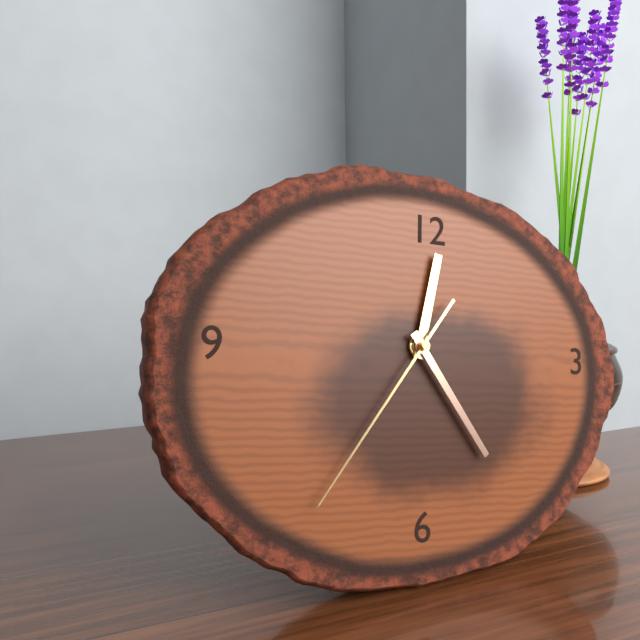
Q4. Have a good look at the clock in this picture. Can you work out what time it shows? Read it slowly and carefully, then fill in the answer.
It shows 12:24:36
